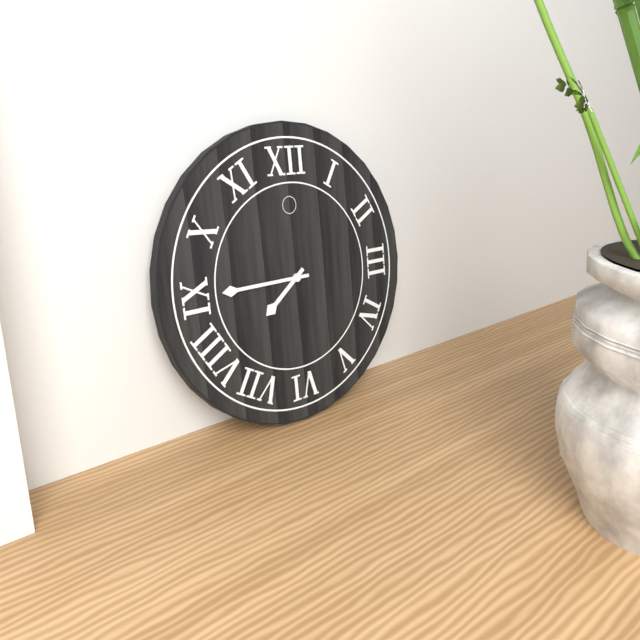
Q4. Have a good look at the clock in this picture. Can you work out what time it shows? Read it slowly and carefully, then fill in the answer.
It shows 7:45
